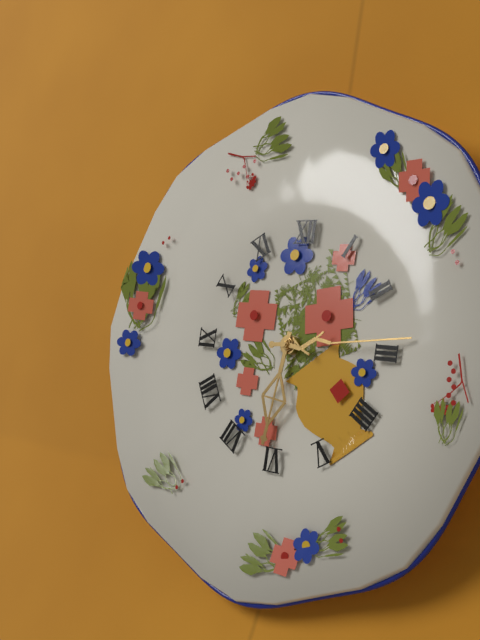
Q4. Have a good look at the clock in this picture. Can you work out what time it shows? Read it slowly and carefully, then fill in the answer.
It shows 6:14
